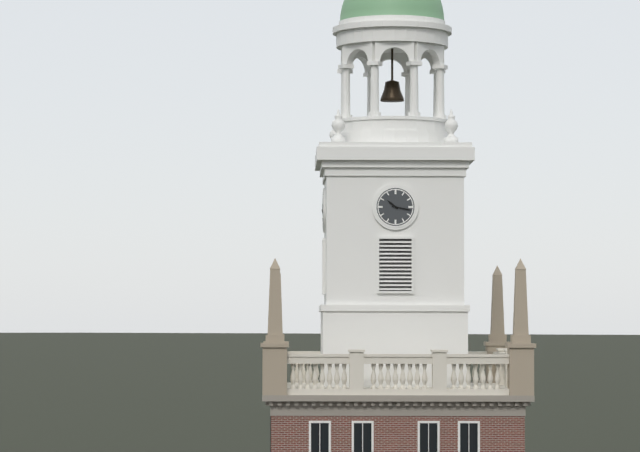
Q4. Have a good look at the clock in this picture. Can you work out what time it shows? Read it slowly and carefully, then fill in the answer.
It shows 10:17
